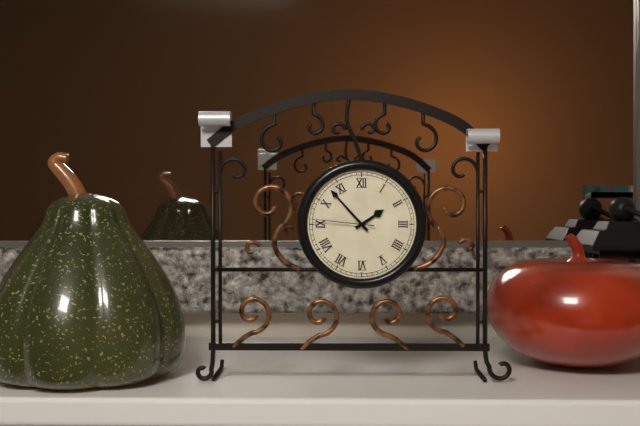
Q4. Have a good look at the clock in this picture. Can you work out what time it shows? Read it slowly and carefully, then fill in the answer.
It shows 1:53:46
